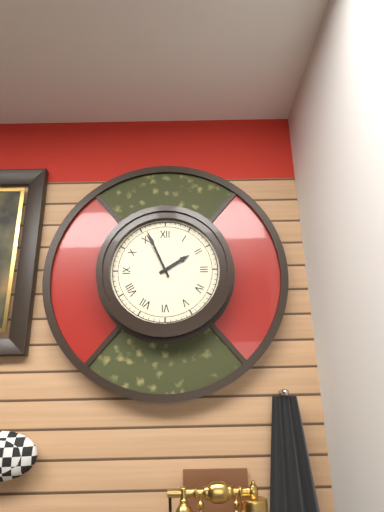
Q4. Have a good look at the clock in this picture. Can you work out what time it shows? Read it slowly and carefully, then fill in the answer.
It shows 1:56
